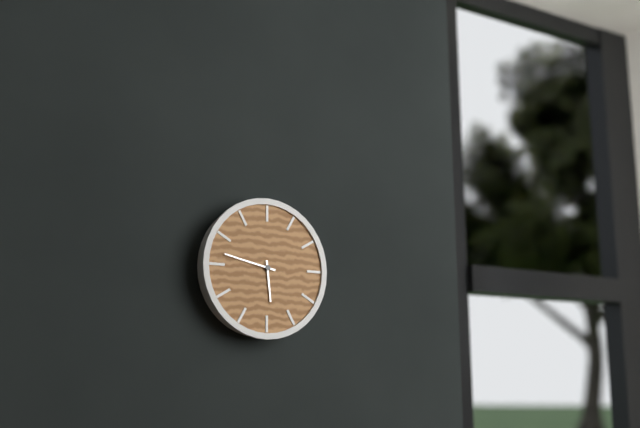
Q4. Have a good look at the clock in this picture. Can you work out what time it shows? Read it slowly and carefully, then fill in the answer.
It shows 5:47
